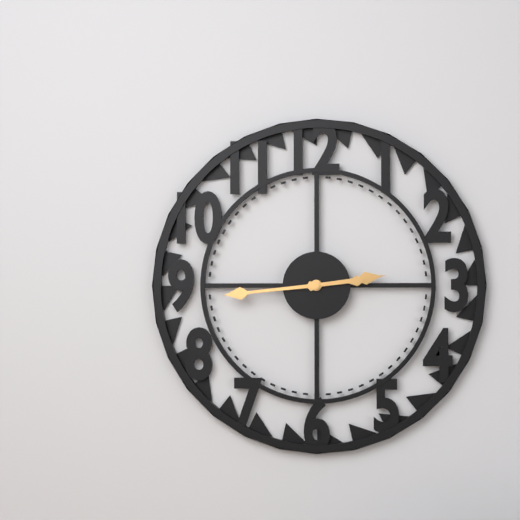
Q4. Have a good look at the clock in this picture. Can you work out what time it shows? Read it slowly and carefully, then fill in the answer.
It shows 2:44
